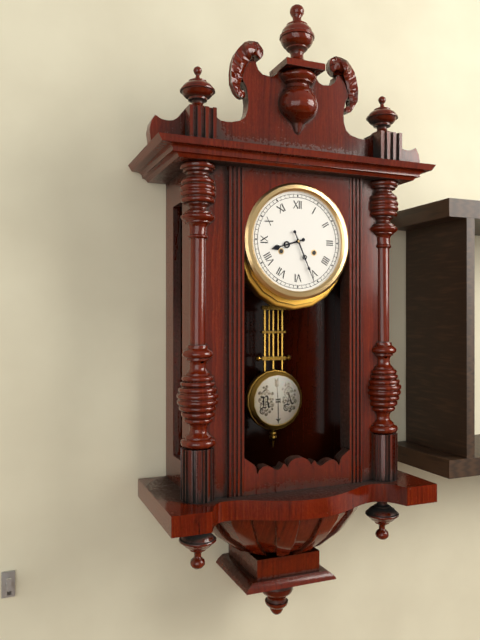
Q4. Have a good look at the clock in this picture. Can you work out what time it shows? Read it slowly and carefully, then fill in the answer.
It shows 8:26
